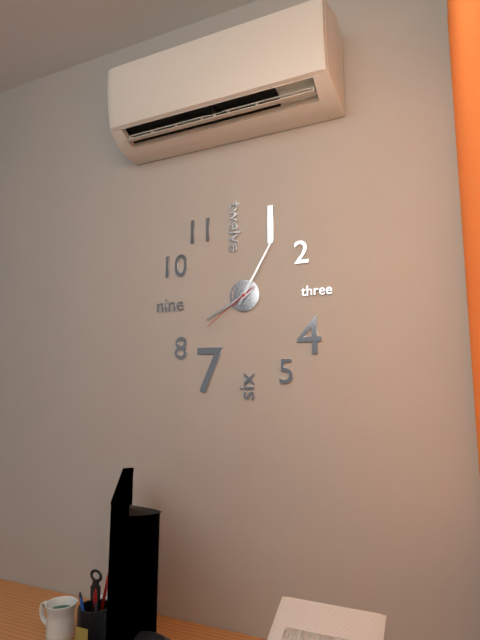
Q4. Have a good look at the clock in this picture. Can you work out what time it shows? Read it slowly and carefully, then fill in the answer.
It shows 8:05:39
